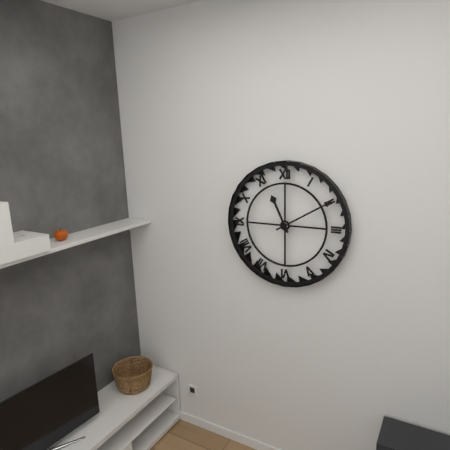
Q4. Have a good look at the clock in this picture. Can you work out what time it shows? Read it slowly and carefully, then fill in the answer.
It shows 11:10
